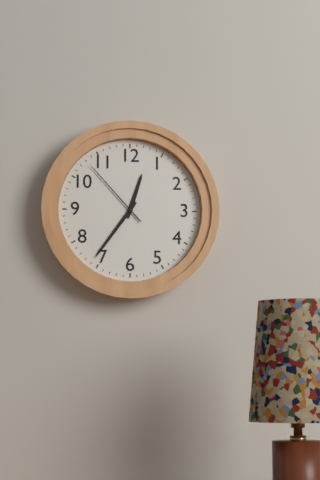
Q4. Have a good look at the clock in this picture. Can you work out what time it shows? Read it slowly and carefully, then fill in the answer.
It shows 12:36:53
